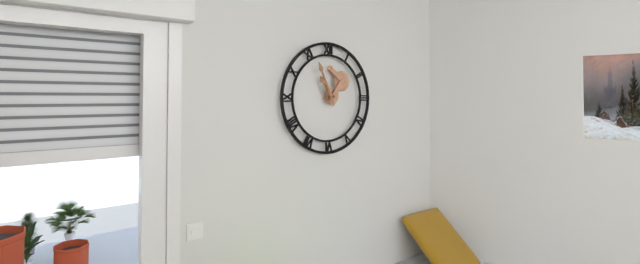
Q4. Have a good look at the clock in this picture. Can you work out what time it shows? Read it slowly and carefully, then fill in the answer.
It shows 10:56
